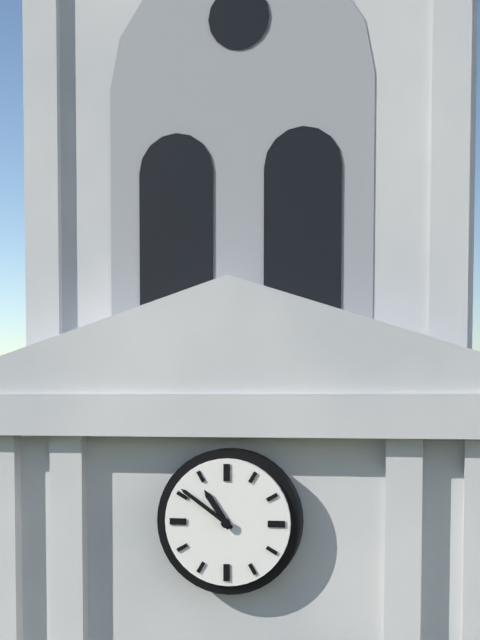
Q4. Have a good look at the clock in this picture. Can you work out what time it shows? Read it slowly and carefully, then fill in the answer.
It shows 10:51
